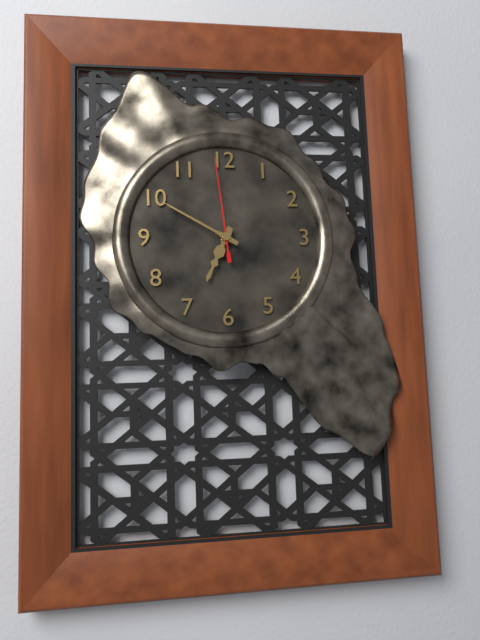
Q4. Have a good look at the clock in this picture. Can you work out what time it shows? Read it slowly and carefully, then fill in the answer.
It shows 6:50:59
